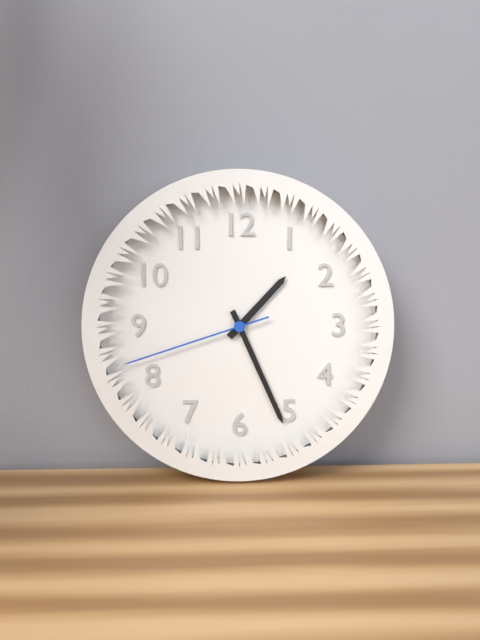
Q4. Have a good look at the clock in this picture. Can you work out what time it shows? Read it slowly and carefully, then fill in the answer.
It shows 1:26:42
